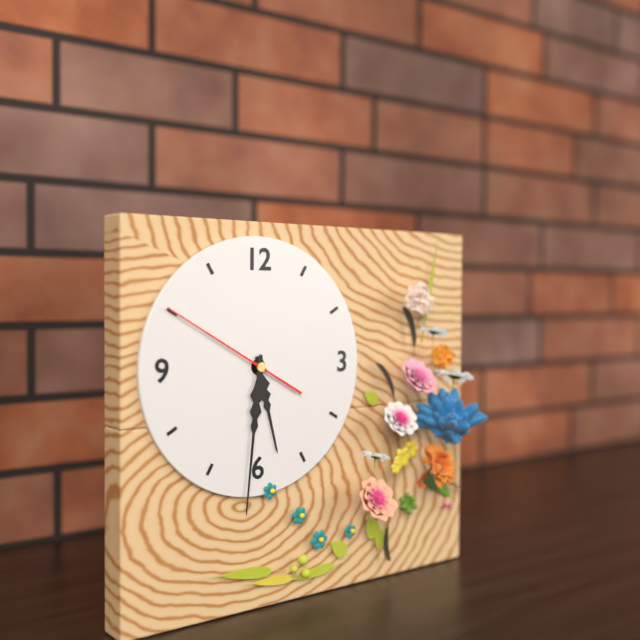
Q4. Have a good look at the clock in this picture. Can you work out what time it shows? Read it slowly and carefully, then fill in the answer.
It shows 5:31:50
